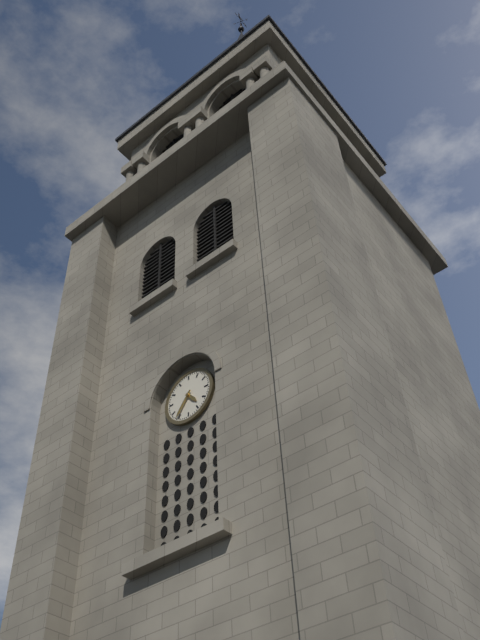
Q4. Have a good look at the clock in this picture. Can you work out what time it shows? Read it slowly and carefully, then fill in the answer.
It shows 4:36
